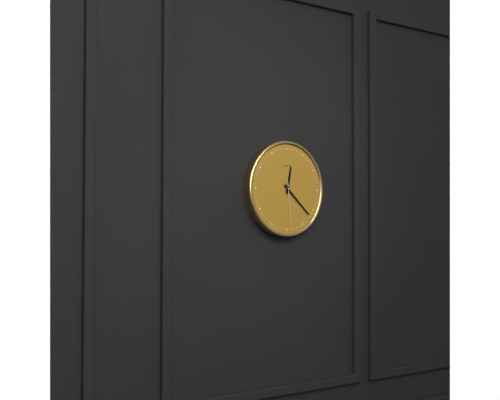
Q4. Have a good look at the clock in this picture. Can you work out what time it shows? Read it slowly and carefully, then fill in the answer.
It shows 12:22:29
